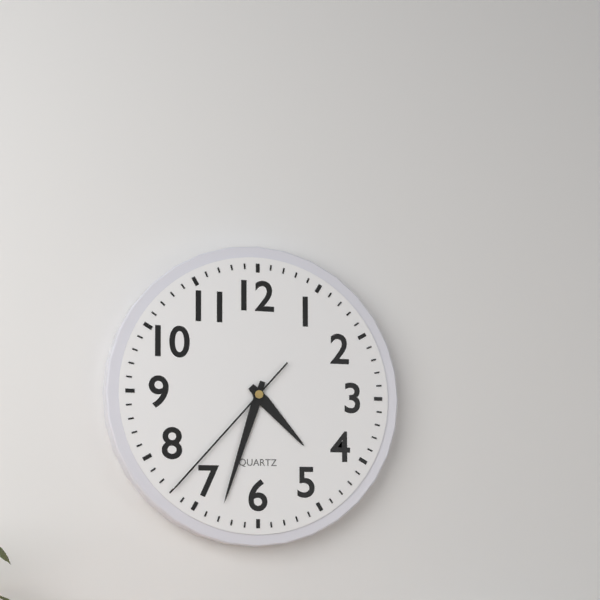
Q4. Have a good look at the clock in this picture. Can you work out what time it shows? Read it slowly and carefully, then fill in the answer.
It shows 4:33:37
